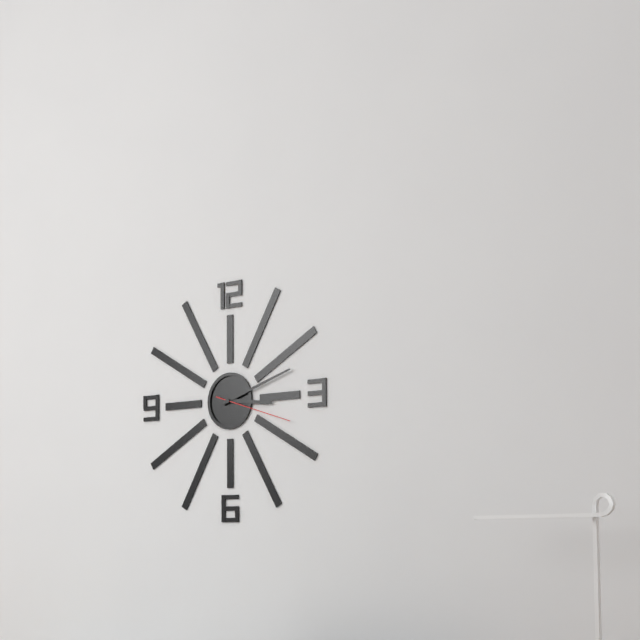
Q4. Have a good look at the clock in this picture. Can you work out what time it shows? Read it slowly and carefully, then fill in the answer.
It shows 3:12:18
